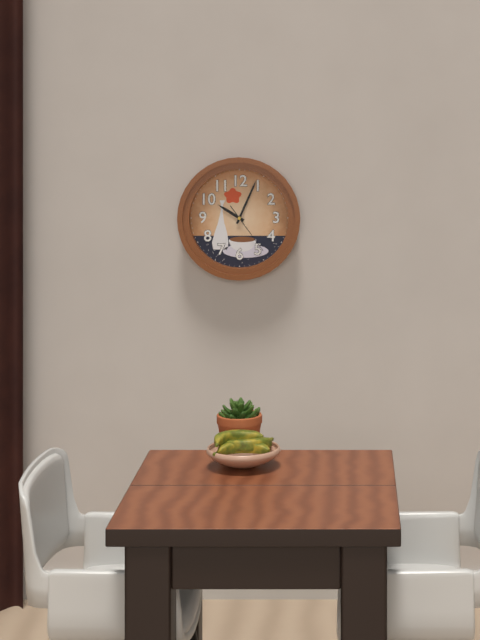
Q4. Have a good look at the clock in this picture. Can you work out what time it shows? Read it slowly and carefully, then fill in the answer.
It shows 10:04:24
